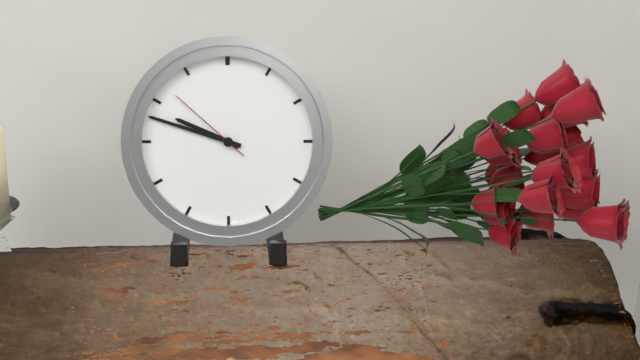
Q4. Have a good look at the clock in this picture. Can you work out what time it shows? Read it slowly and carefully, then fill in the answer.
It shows 9:48:52
